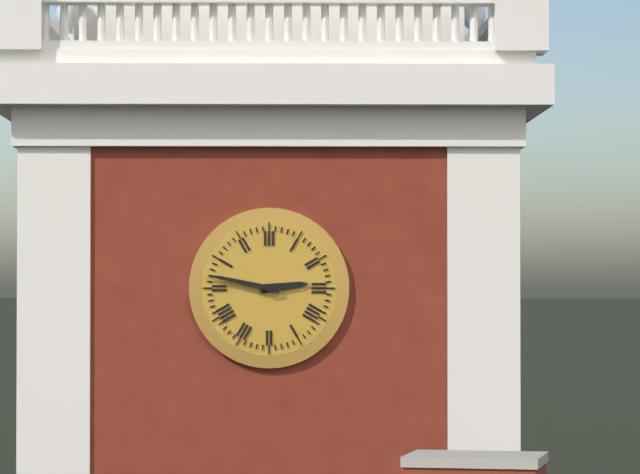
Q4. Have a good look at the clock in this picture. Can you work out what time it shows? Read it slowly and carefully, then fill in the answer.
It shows 2:47
